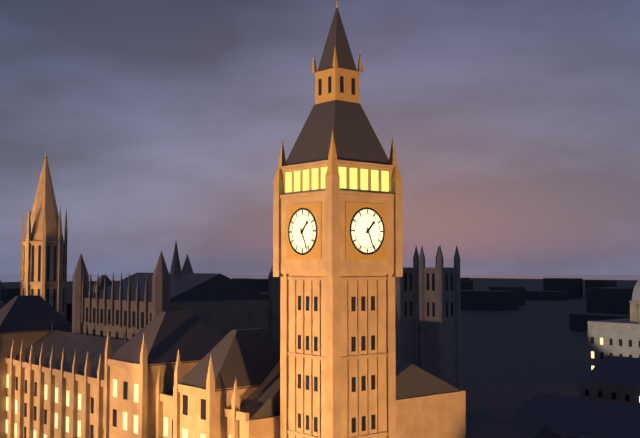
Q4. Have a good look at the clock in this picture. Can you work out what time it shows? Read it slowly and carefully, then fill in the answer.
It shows 1:26
